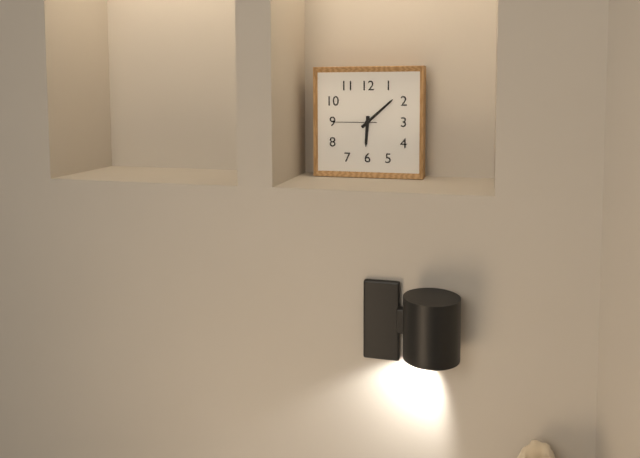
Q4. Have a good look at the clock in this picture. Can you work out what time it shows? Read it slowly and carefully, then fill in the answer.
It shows 6:08
